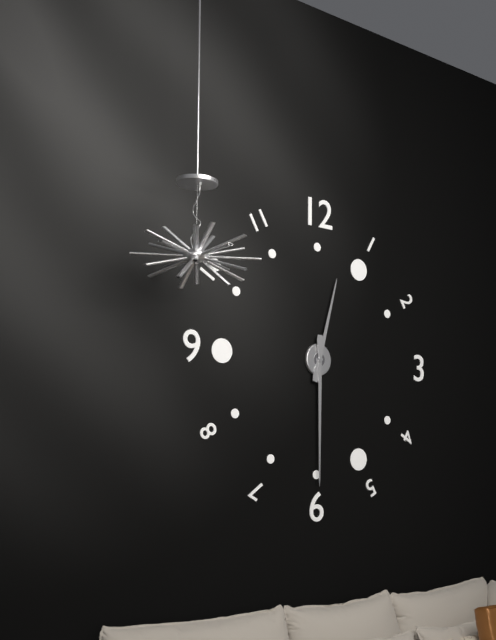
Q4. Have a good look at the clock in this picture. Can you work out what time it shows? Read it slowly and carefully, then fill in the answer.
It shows 12:30
